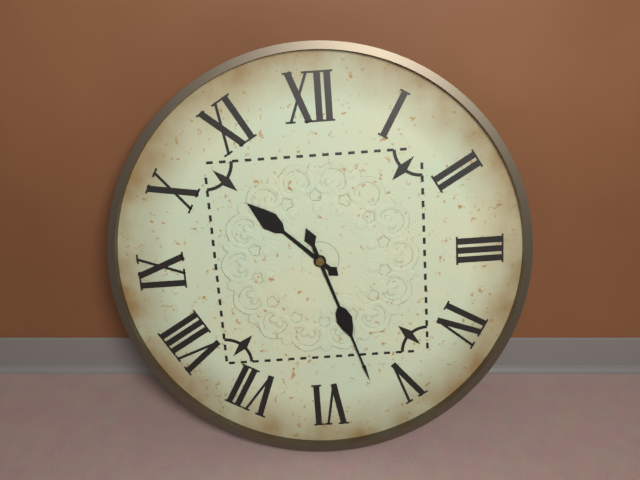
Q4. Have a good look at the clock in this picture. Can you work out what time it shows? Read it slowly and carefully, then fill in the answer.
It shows 10:27
